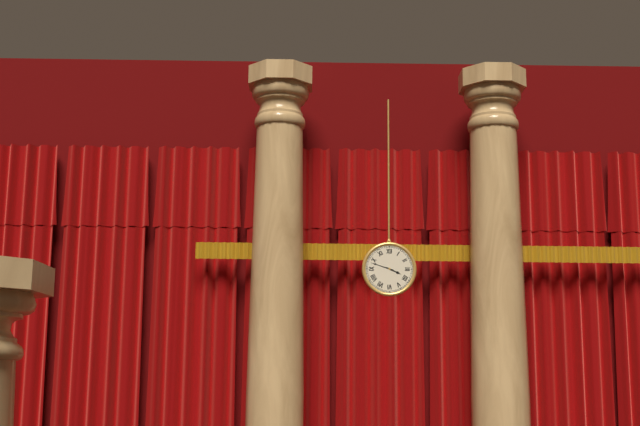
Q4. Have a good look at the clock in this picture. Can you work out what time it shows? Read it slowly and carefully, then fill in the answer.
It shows 3:48
